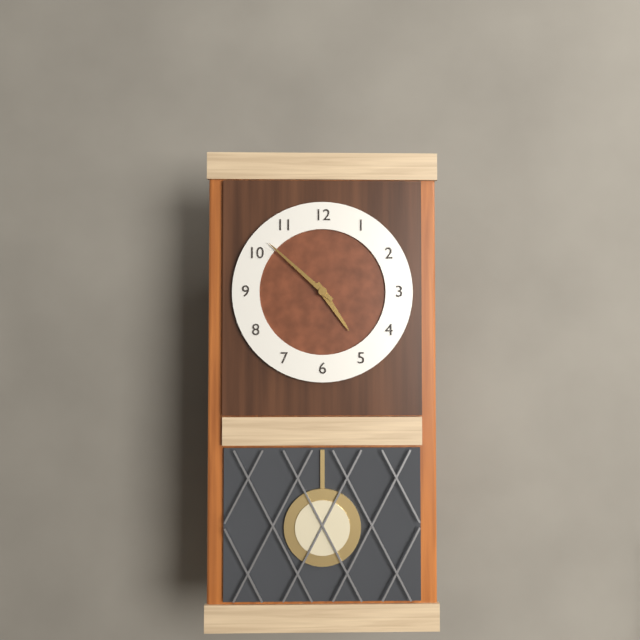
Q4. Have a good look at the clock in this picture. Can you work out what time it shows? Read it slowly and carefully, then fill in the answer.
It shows 4:52
